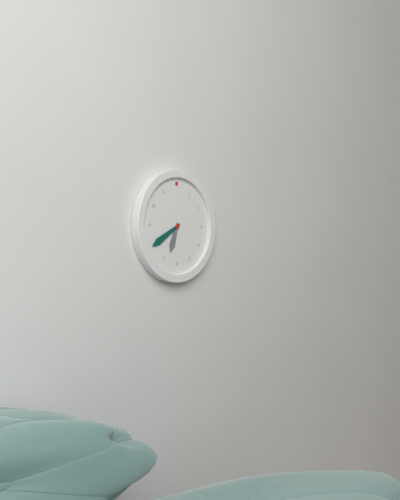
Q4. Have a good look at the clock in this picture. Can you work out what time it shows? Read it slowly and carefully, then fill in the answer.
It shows 6:40
